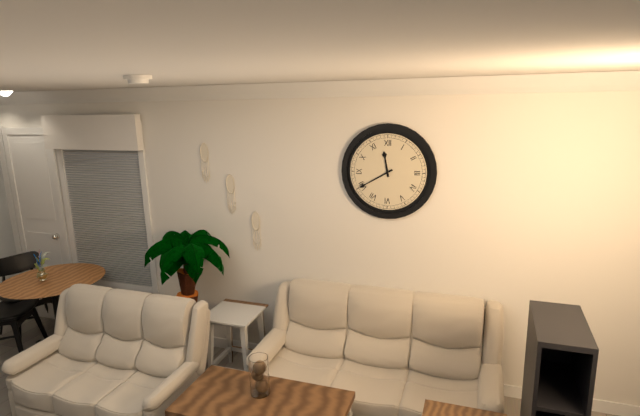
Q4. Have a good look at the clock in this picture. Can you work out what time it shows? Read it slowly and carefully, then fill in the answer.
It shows 11:40
